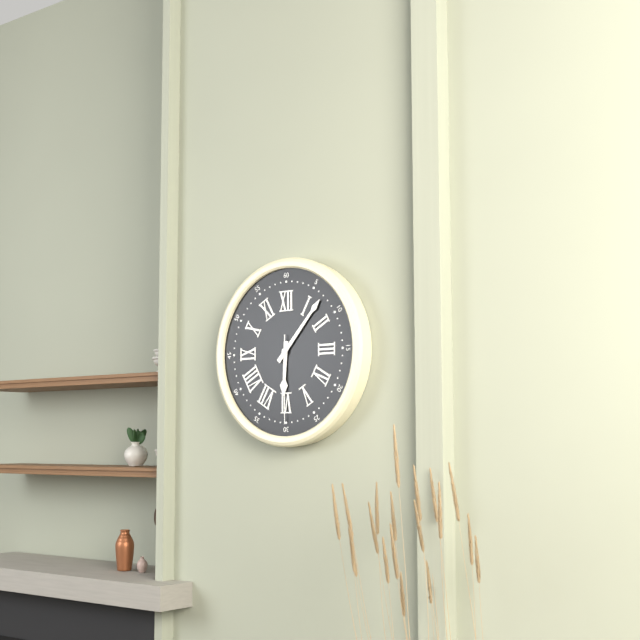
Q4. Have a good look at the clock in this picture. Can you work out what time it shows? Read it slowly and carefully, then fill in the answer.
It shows 6:07:30
